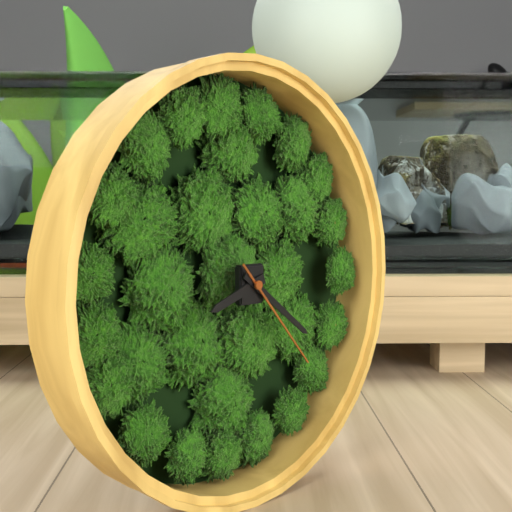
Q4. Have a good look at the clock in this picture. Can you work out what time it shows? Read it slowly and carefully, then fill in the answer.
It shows 8:21:23
